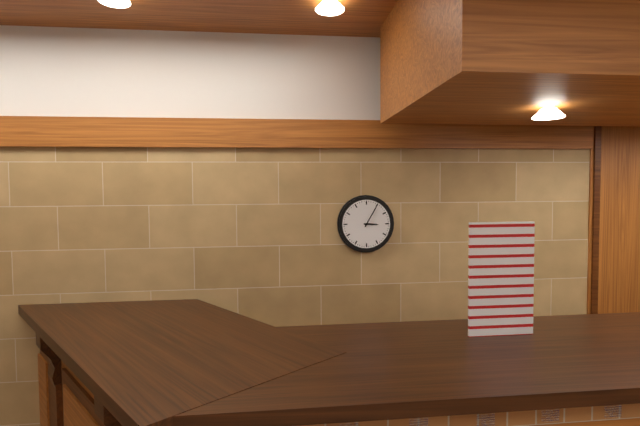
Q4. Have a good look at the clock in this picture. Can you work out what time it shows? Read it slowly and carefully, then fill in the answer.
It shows 3:05
